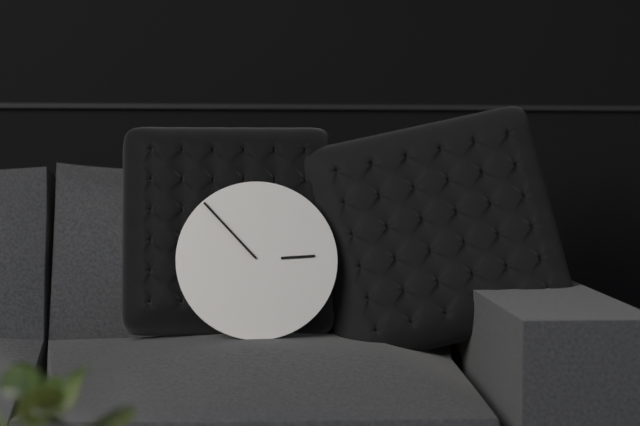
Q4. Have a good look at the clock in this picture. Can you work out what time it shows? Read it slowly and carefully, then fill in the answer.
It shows 2:53
